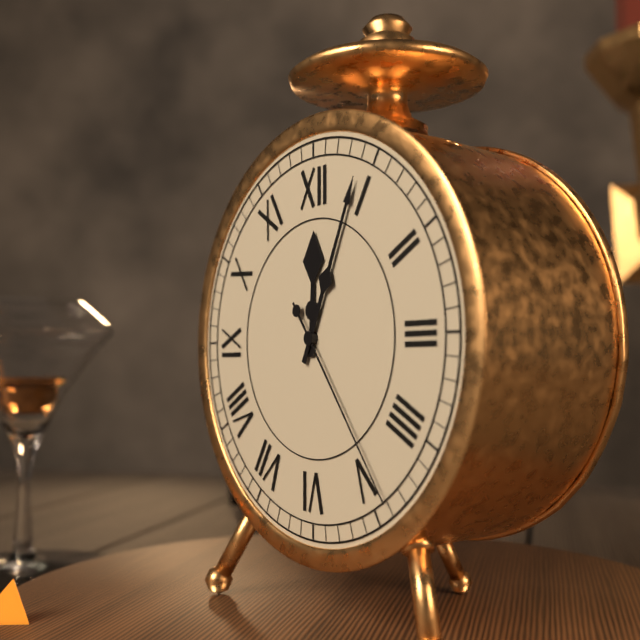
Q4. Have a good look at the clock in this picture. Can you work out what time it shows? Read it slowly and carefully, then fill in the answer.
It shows 12:04:24
